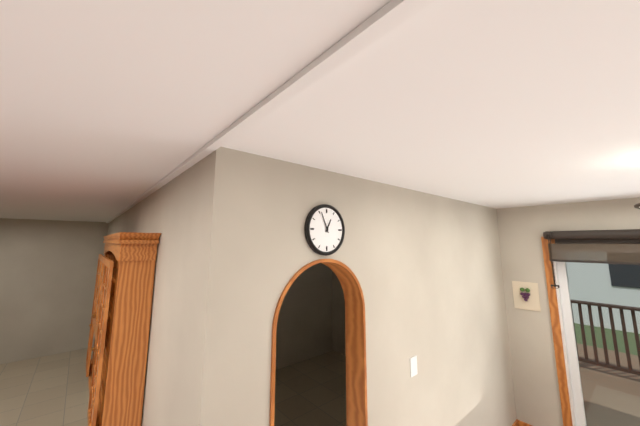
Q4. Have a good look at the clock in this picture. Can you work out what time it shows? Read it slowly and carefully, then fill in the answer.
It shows 12:56
